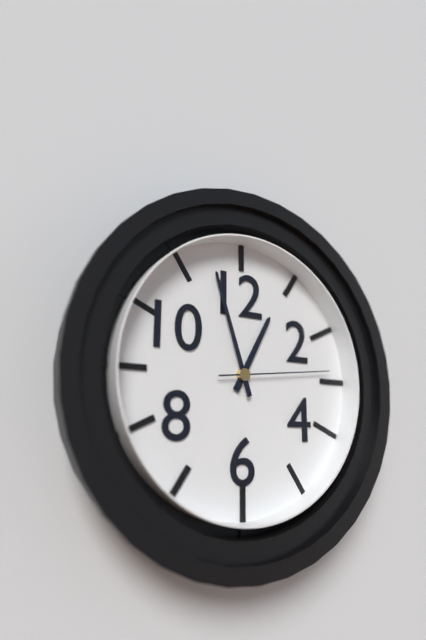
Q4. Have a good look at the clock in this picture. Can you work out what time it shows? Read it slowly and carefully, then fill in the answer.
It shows 12:57:14
